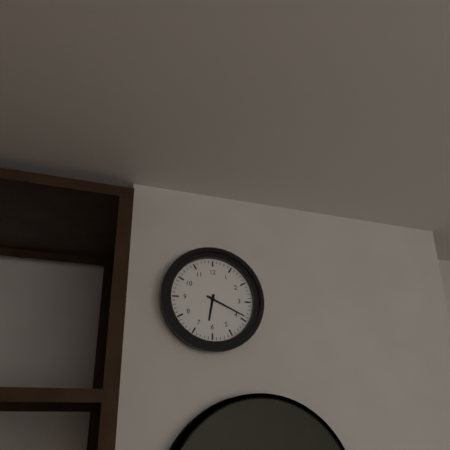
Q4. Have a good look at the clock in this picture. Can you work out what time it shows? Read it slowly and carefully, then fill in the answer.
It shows 6:19
